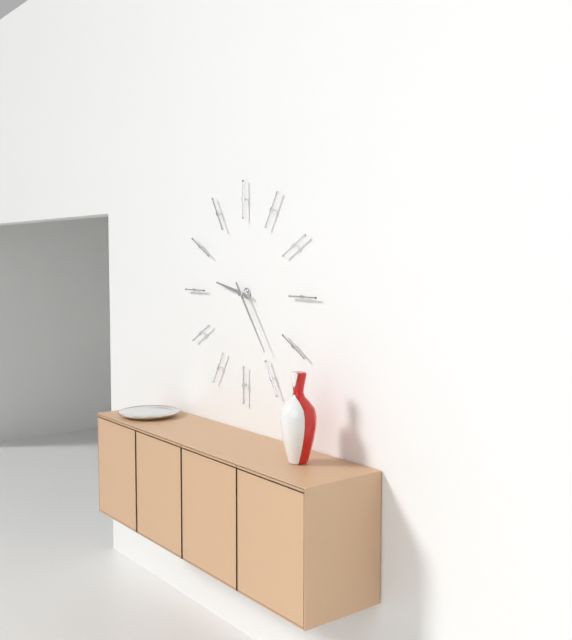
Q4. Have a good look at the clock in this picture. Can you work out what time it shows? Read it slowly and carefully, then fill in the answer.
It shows 9:24
